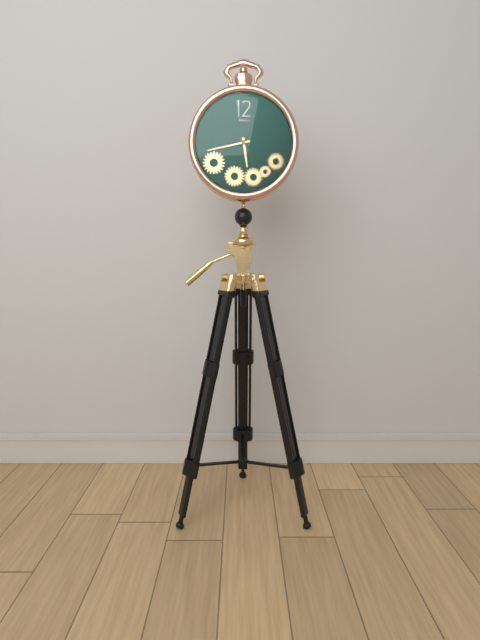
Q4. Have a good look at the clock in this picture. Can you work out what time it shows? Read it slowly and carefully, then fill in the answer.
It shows 5:43
